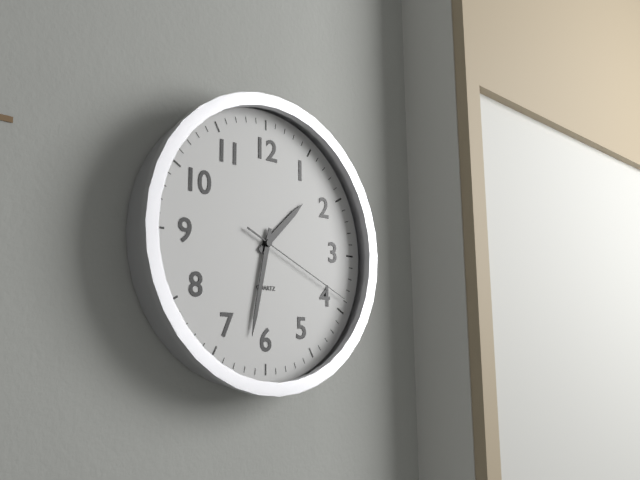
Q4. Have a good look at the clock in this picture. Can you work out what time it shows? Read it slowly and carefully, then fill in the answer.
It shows 1:32:19
